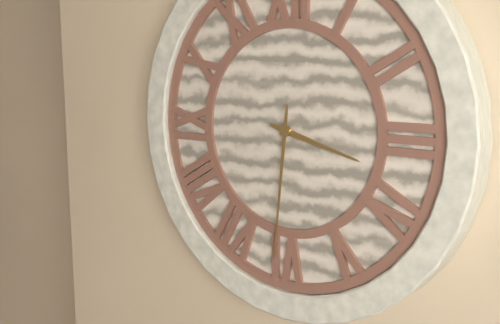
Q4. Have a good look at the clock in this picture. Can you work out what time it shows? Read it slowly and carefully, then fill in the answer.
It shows 3:31
